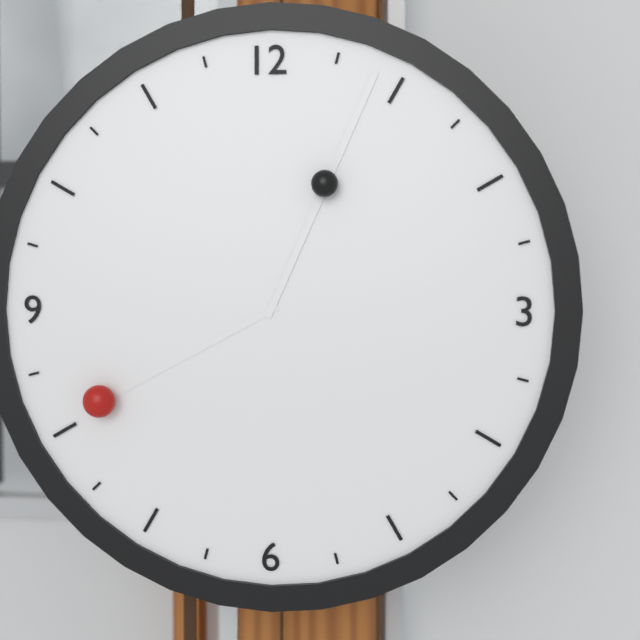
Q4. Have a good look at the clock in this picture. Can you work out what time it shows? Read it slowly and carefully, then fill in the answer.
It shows 8:04
